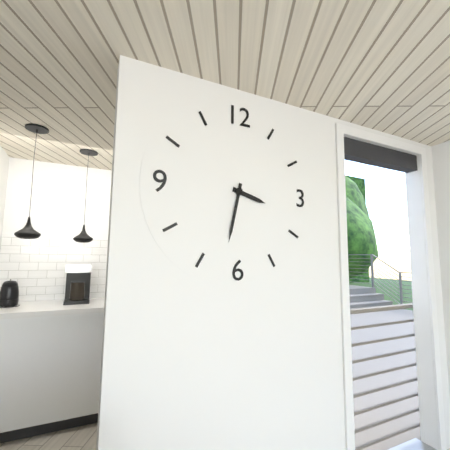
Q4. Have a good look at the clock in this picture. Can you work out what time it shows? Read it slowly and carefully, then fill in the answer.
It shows 3:32
